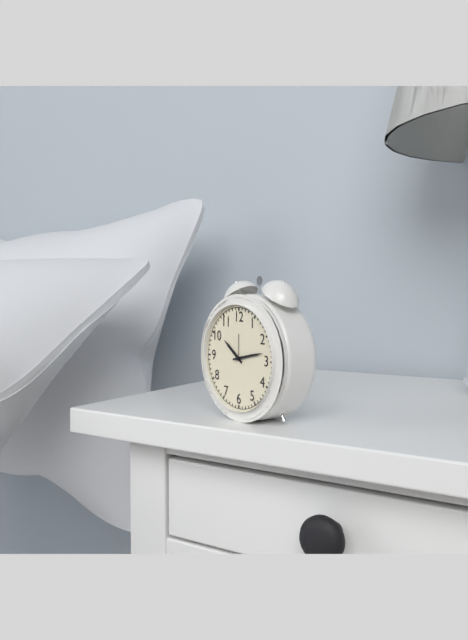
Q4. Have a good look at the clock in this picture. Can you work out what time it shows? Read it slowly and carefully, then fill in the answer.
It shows 10:13
